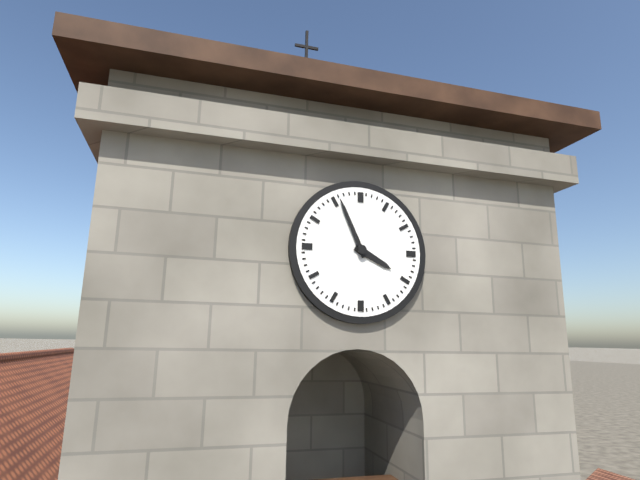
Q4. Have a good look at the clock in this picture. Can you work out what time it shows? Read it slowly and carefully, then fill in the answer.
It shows 3:56
